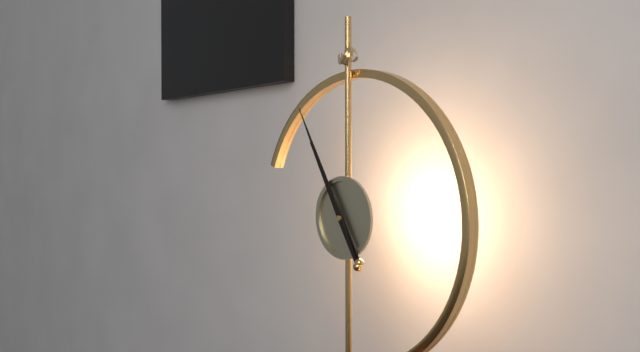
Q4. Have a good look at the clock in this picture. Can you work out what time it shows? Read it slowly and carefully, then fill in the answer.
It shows 10:55
